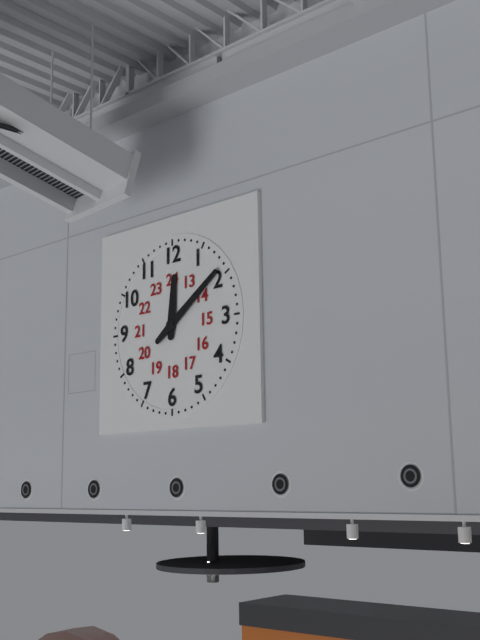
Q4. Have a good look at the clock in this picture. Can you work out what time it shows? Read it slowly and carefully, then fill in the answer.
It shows 12:09
